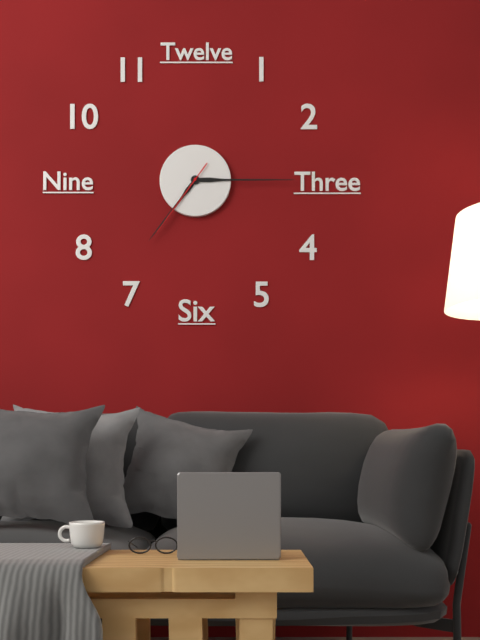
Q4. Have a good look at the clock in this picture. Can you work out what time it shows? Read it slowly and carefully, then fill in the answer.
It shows 7:15:36
